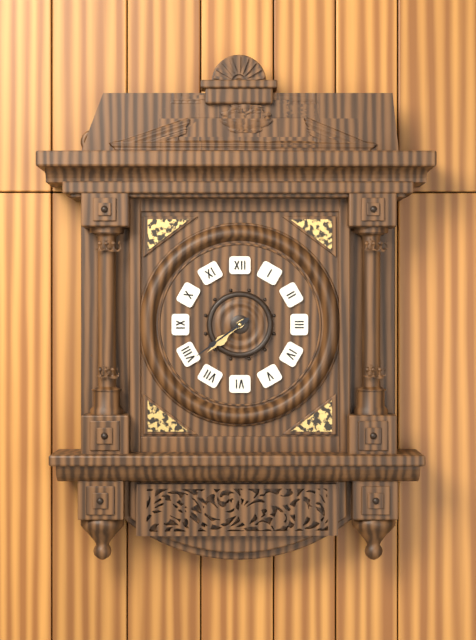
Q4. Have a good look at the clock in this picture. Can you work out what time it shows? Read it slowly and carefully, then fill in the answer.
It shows 7:39
